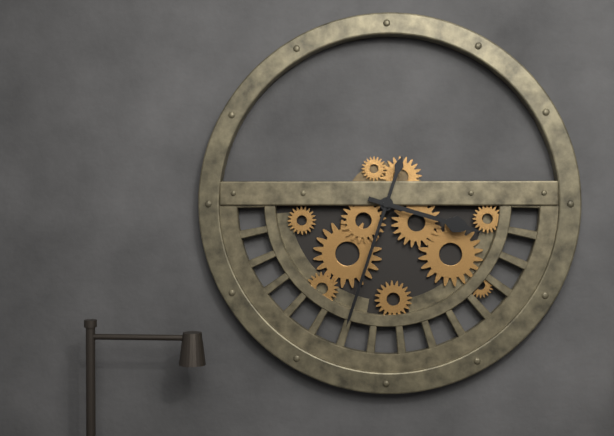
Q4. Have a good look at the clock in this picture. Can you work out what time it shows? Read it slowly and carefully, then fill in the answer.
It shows 3:33
